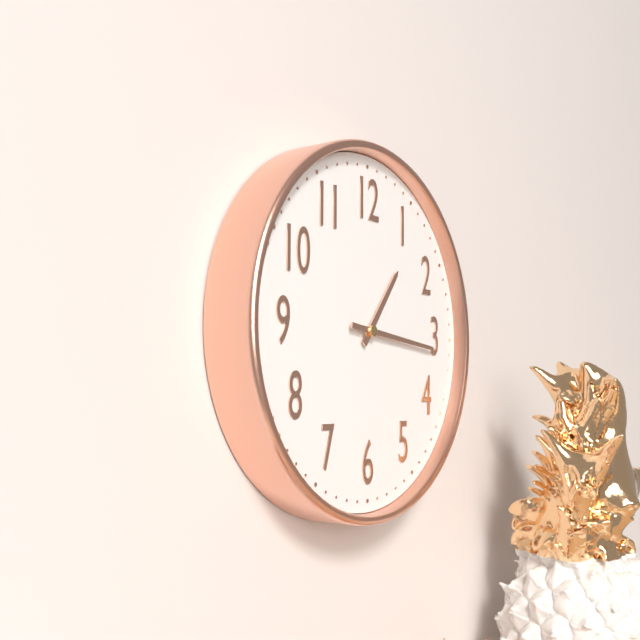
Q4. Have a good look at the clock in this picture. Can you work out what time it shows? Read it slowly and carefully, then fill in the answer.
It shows 1:16
